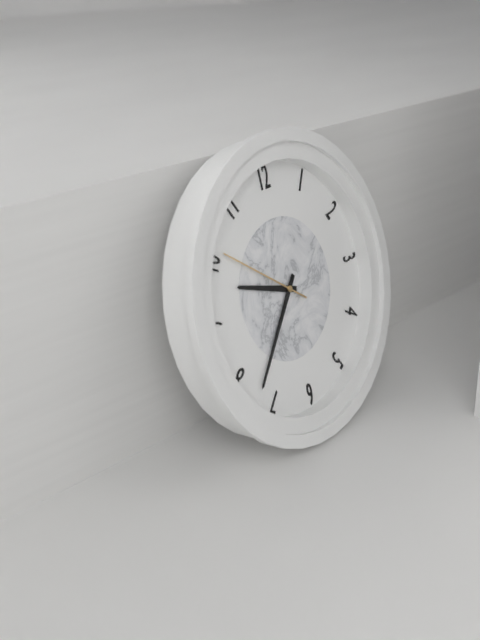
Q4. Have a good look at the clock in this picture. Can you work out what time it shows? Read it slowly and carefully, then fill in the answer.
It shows 9:37:51
